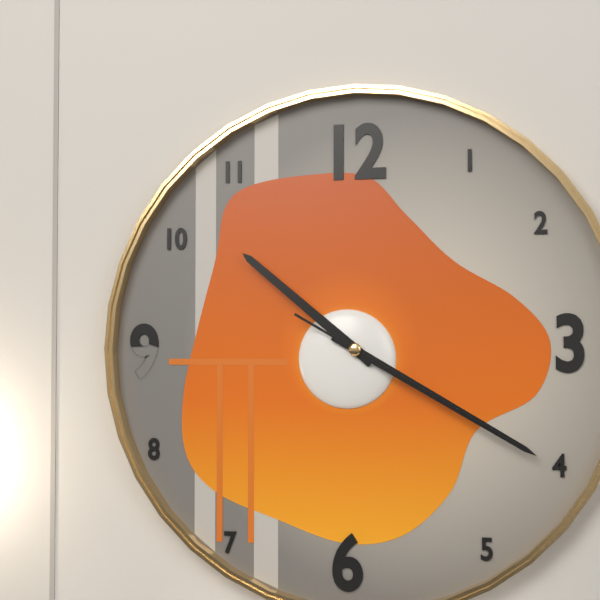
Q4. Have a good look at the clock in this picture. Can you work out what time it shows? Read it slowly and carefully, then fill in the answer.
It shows 10:20:20
